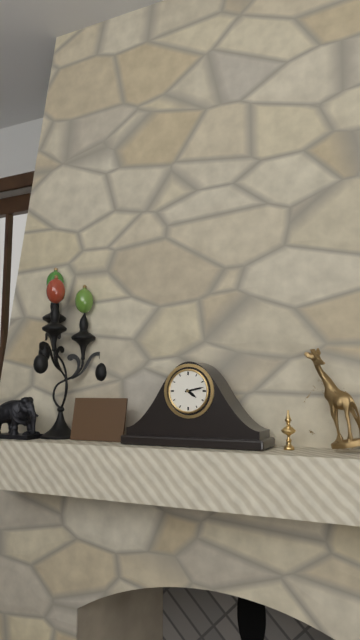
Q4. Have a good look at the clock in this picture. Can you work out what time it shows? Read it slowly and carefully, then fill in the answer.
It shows 4:13
